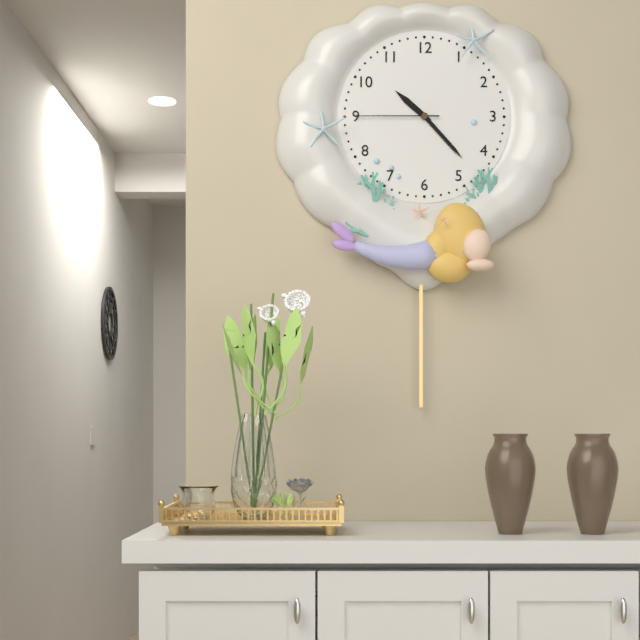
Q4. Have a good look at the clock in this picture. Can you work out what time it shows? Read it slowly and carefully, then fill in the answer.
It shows 10:23:45
